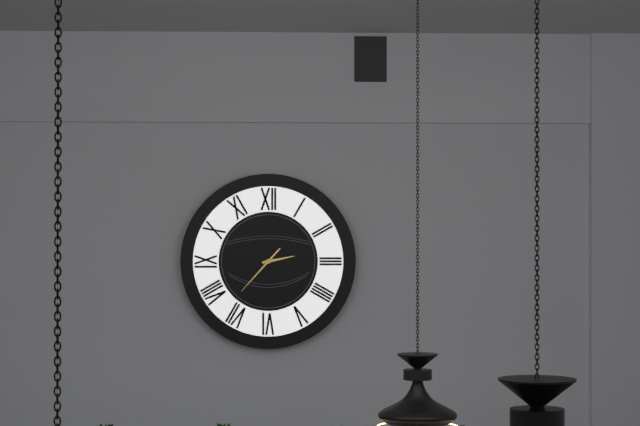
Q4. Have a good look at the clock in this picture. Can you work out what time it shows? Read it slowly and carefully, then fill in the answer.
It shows 2:37
